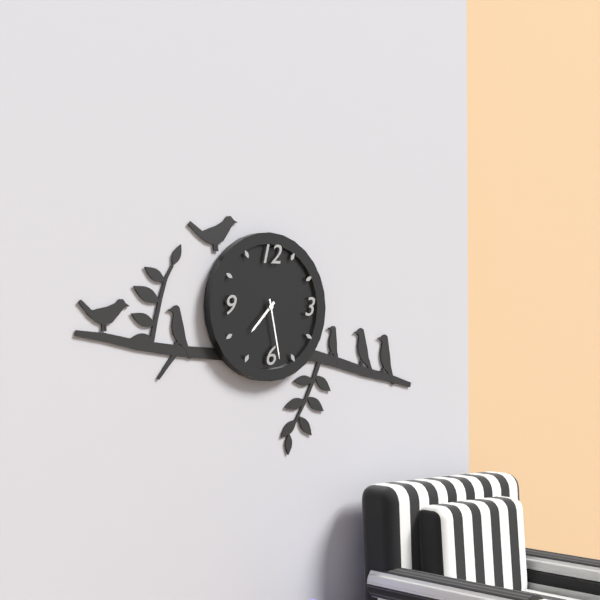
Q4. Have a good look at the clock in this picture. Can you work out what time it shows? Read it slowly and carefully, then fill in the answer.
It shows 7:28
